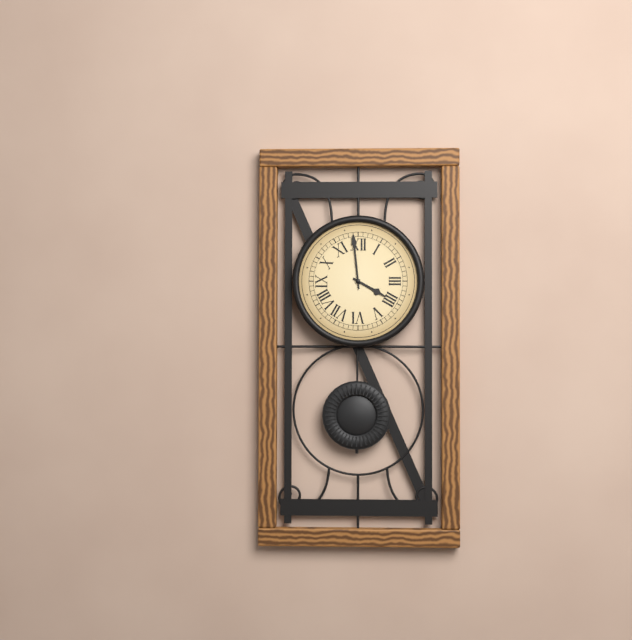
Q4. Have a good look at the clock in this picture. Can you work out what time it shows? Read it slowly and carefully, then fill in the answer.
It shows 3:59
